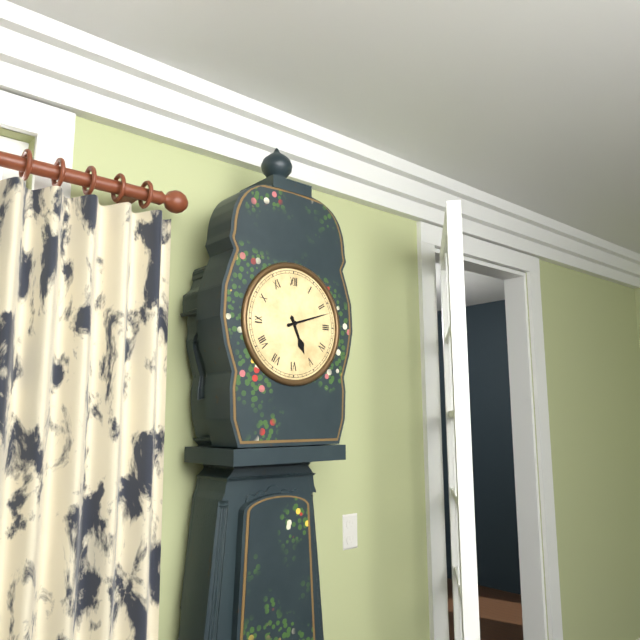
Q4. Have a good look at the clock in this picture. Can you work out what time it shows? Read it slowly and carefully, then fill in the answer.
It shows 5:12
